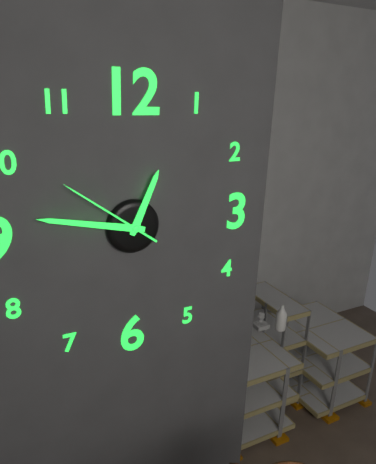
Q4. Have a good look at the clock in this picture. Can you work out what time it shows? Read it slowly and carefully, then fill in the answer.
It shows 12:47:51
